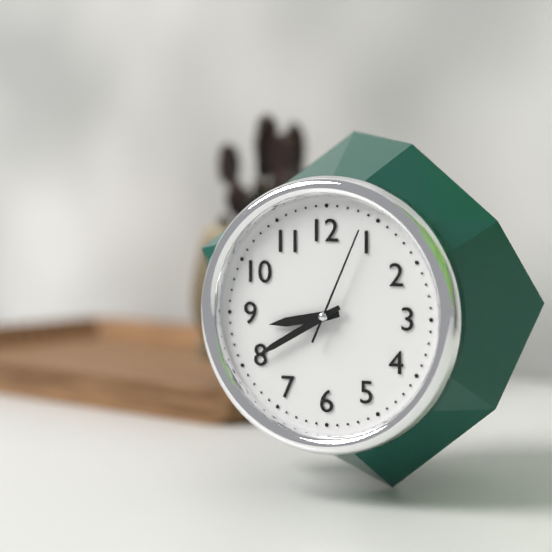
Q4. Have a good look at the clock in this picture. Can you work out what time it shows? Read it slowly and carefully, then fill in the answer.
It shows 8:40:04
